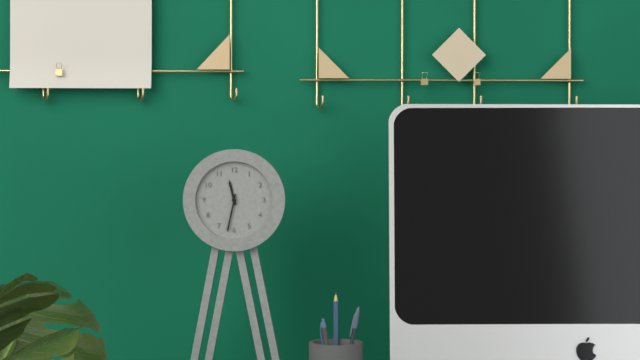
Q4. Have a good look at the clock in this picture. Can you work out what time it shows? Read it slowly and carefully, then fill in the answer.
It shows 11:32
